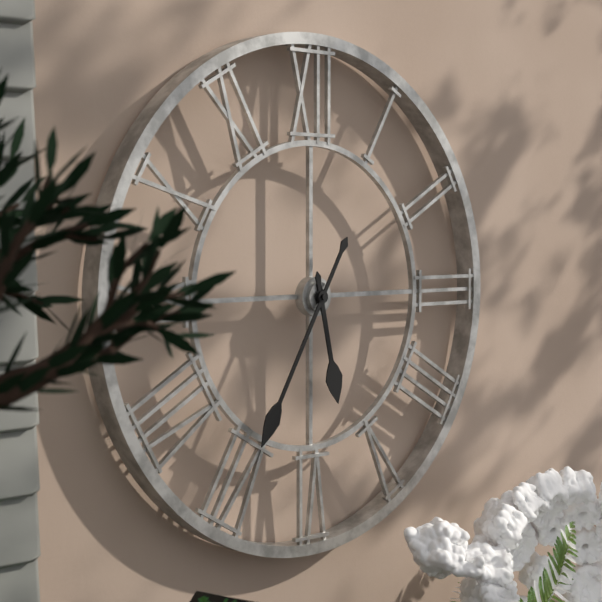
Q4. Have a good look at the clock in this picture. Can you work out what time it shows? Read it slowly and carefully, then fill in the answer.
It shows 5:35
